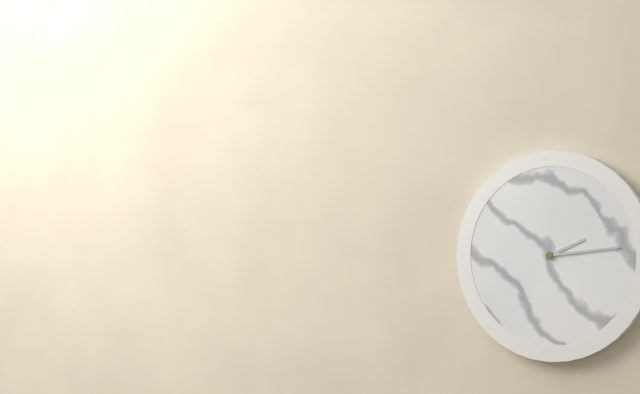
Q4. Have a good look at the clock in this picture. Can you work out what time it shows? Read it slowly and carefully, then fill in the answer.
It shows 2:14
